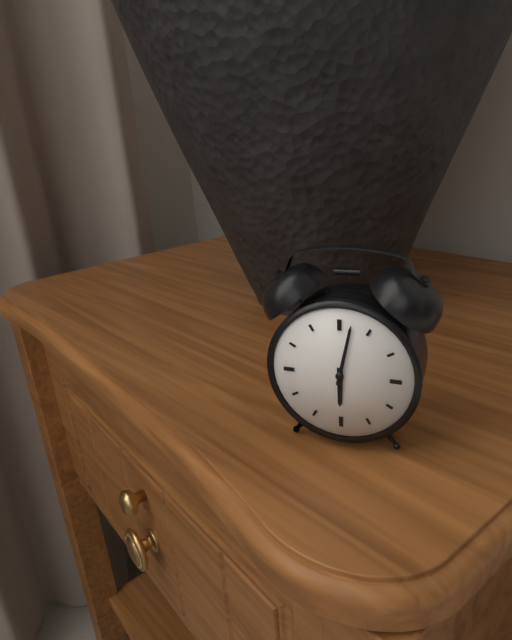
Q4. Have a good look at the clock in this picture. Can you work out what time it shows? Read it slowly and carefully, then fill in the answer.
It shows 6:02
